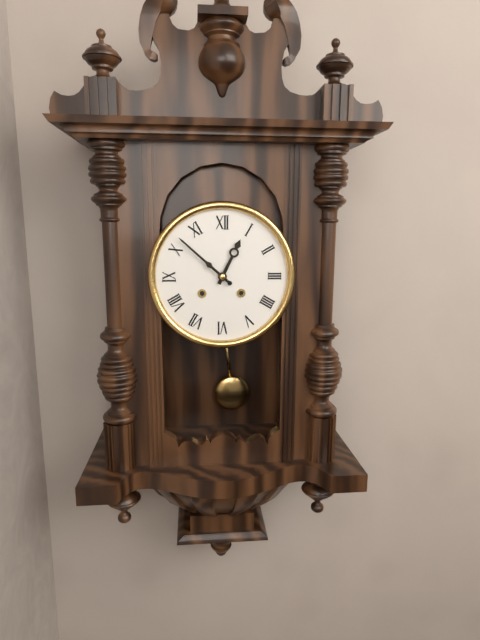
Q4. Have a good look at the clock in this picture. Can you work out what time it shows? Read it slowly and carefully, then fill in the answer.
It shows 12:52
